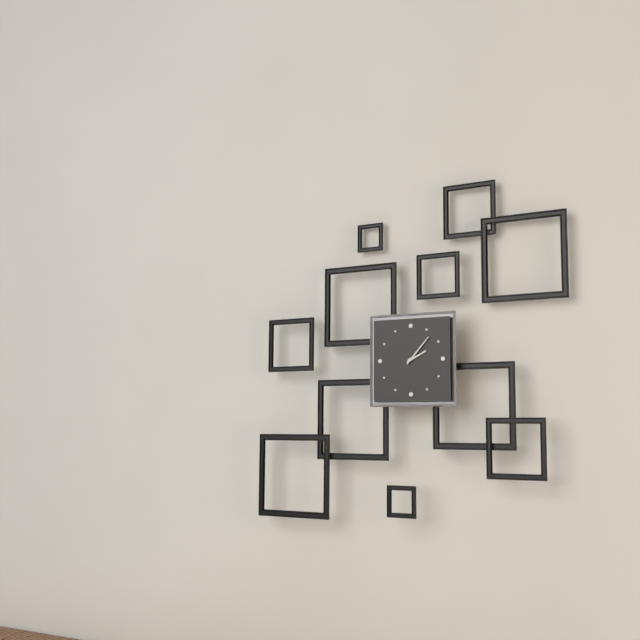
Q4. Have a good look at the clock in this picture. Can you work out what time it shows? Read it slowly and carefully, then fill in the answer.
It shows 2:07
